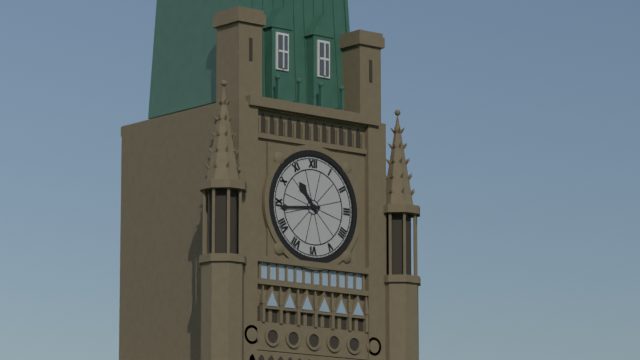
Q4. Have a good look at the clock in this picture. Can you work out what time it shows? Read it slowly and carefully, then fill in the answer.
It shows 10:44
